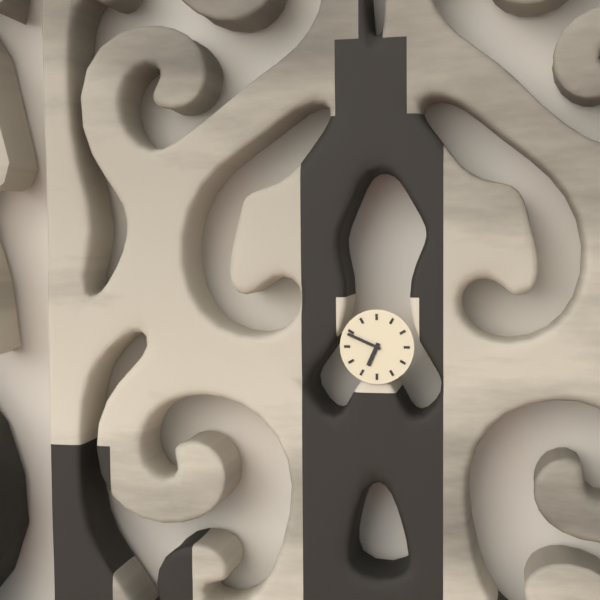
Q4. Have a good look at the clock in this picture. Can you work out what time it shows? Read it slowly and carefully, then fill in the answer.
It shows 6:49
